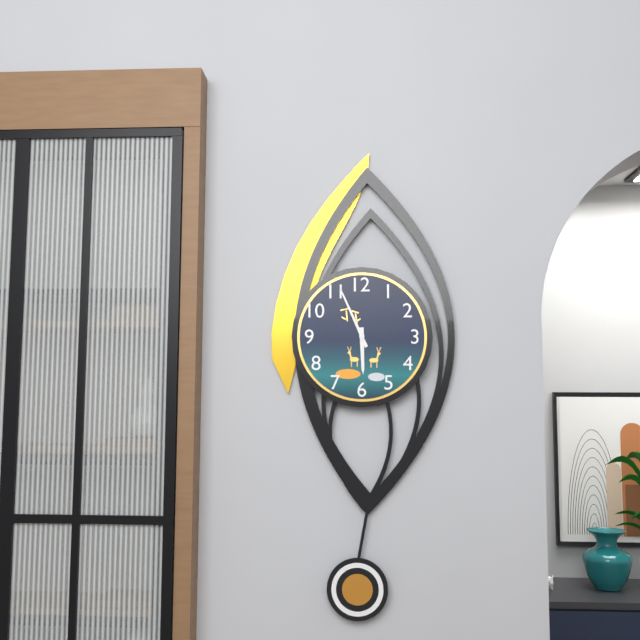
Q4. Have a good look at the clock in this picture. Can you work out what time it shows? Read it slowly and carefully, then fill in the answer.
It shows 5:56
